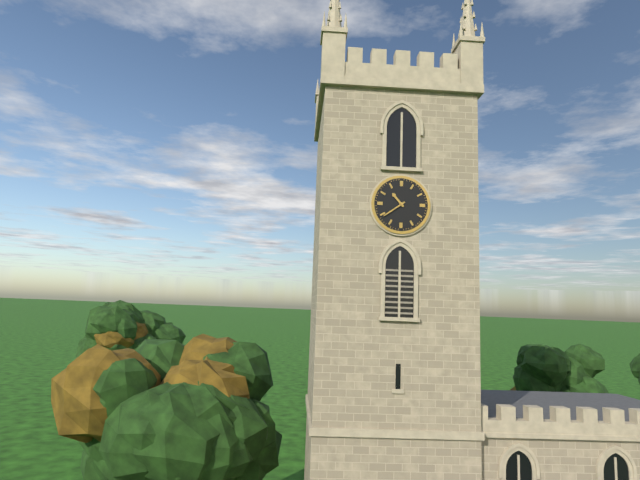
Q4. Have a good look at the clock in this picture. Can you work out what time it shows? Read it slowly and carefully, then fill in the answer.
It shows 10:39
